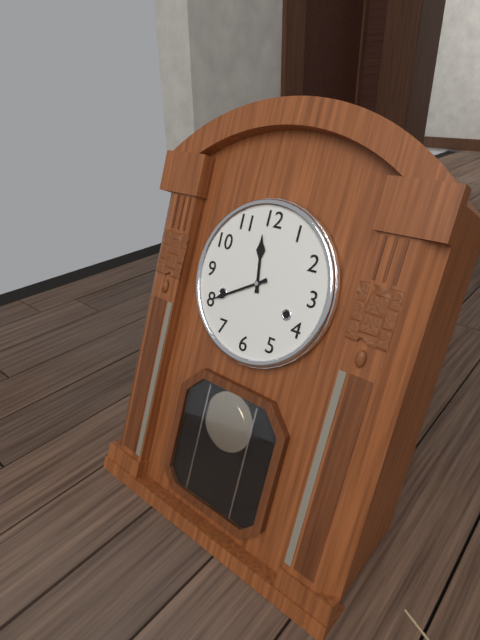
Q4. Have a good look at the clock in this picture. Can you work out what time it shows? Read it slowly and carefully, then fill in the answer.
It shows 11:40
